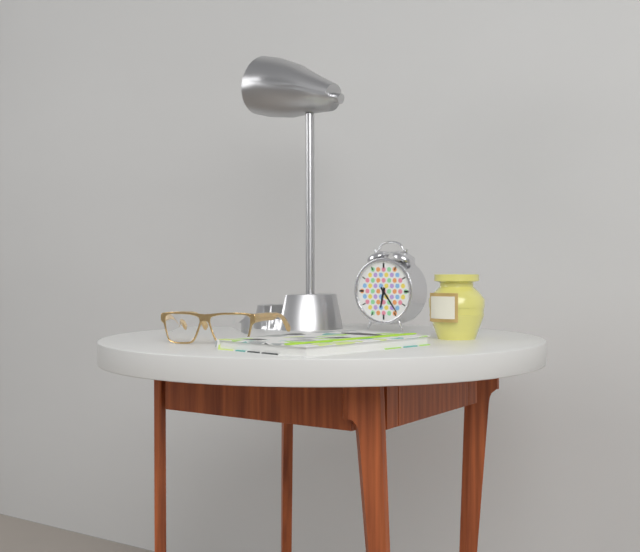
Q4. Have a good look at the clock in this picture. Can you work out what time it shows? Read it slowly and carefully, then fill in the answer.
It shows 6:24
